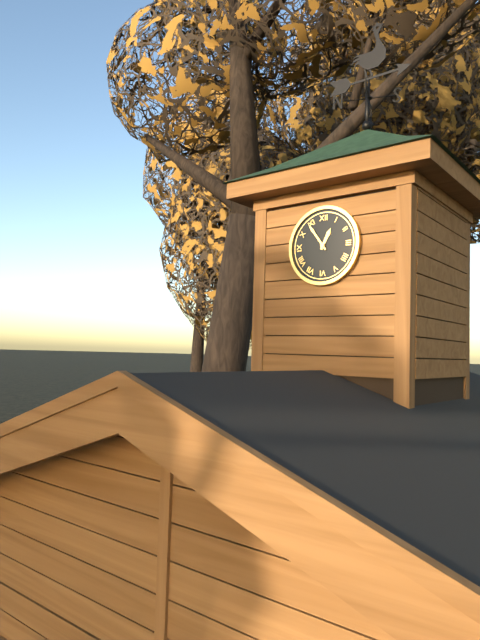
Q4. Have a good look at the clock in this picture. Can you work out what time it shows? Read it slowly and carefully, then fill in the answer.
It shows 12:54
